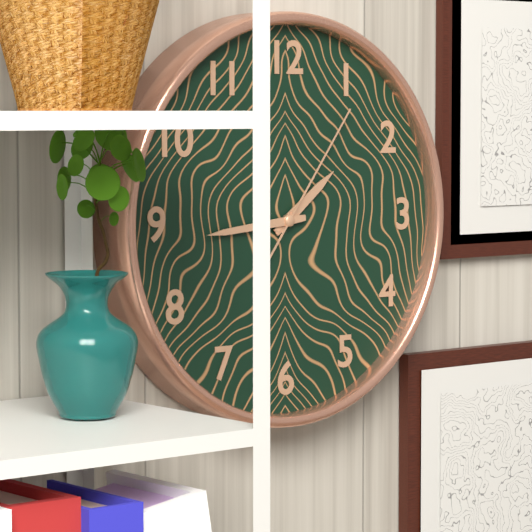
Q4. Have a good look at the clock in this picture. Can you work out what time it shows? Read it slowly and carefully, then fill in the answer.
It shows 1:44:06
